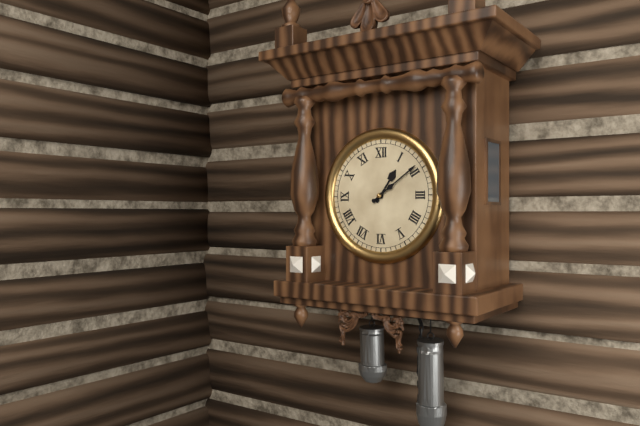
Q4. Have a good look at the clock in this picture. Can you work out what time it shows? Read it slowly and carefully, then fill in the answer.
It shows 1:09
